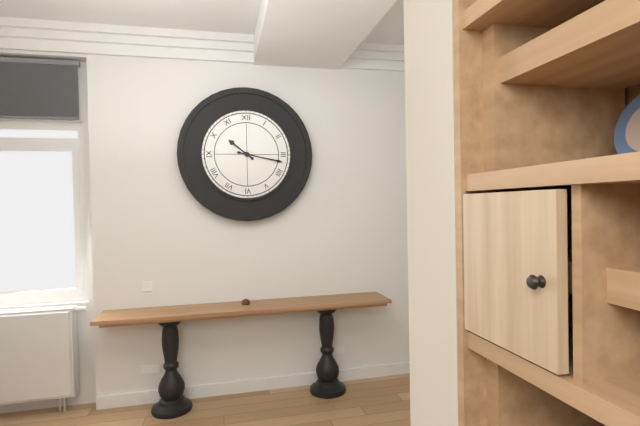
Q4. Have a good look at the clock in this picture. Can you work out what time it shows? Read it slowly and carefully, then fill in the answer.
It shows 10:17
